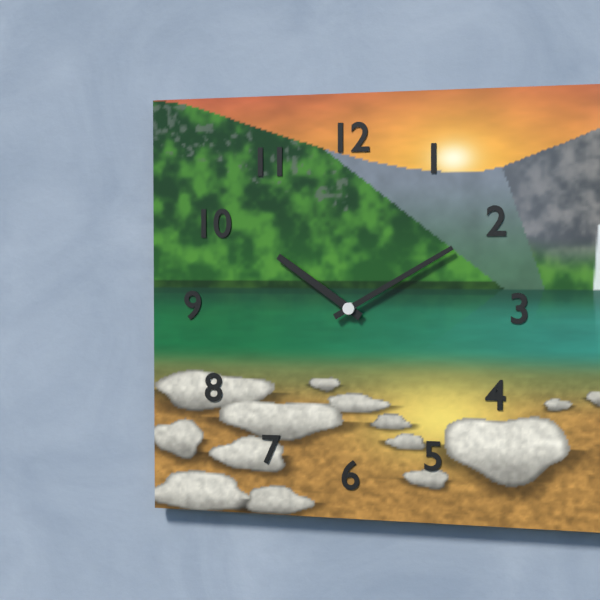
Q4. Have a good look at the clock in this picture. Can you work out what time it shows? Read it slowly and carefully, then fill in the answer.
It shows 10:10
